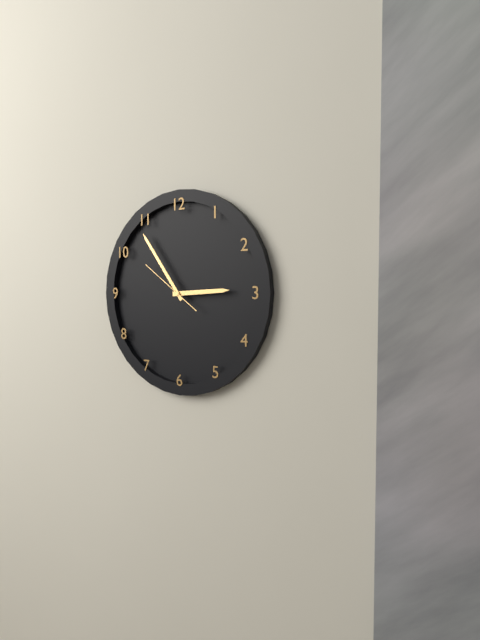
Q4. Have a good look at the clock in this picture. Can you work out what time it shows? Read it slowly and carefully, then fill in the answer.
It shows 2:54:51
